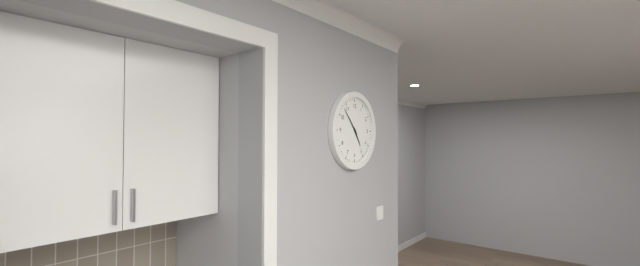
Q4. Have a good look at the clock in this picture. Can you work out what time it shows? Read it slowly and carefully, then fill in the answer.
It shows 4:53
